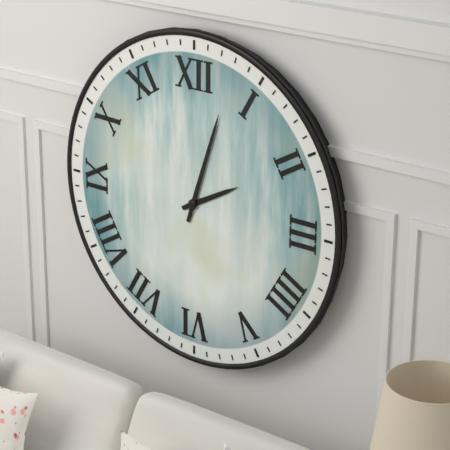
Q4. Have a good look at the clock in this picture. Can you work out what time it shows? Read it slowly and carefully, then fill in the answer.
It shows 2:03
